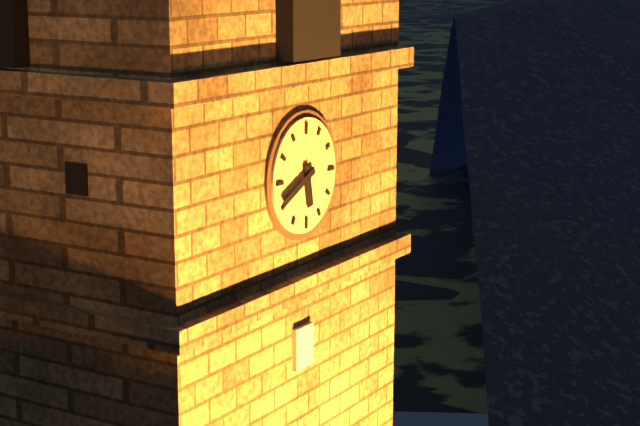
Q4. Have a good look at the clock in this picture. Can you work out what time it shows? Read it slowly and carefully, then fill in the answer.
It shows 5:41
